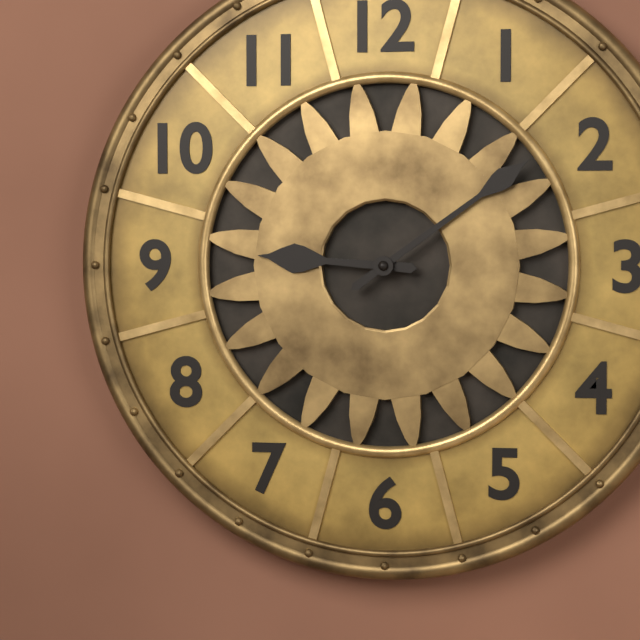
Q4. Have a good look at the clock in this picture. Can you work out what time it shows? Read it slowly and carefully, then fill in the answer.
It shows 9:09
